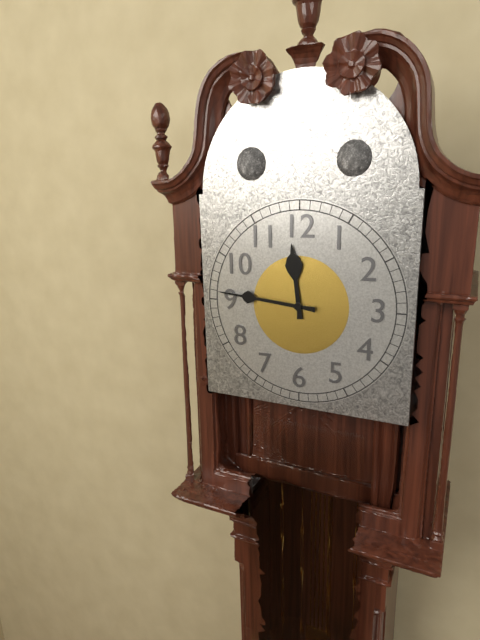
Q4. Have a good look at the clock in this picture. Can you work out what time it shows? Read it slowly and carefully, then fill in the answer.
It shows 11:46
